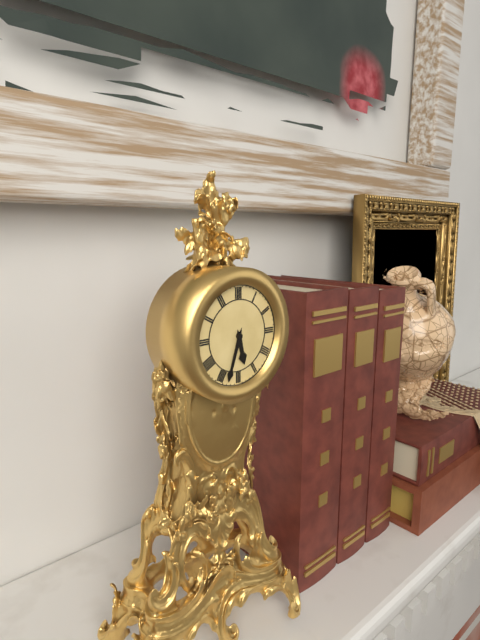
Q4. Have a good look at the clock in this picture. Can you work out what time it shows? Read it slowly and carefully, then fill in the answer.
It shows 5:33
